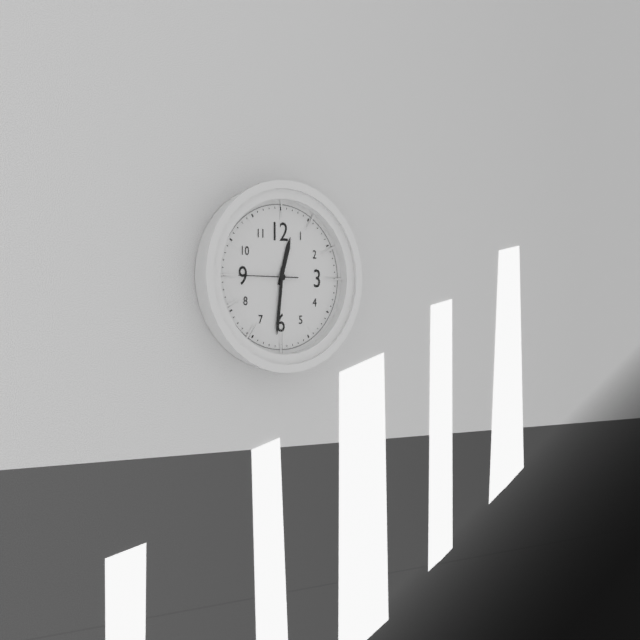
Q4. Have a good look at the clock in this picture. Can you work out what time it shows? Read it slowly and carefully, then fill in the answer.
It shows 12:31:45
